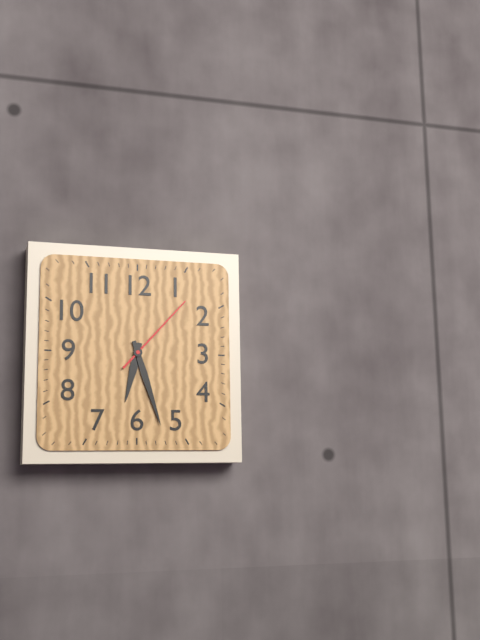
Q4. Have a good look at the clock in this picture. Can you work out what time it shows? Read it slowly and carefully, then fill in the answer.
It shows 6:27:07
